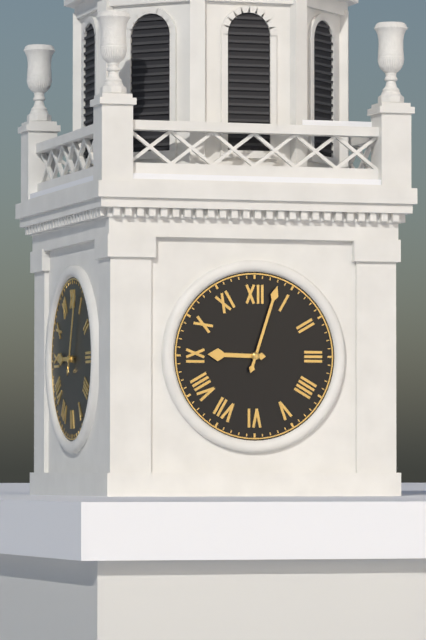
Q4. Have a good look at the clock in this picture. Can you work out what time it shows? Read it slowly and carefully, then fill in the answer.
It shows 9:03
